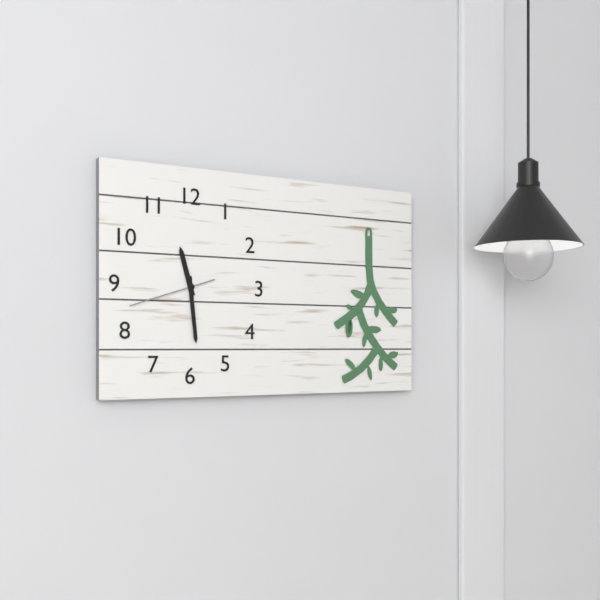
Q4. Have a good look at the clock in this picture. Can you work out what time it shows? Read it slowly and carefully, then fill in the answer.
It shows 11:29:42
